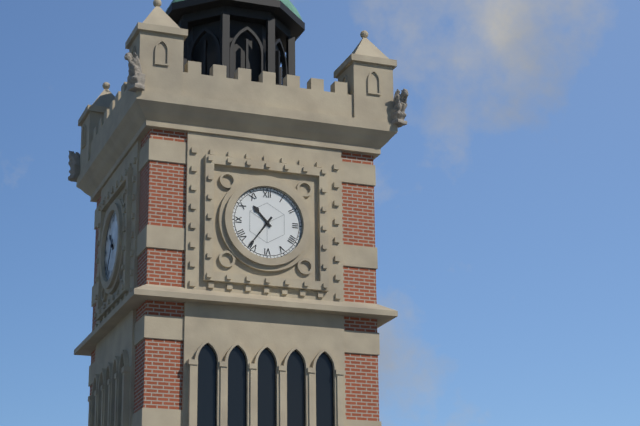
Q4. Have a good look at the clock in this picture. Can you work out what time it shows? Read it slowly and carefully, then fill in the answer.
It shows 10:36
